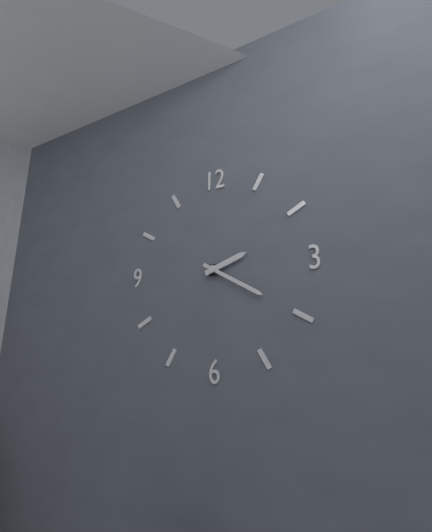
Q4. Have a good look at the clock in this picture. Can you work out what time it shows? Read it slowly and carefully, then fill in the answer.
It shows 2:20
